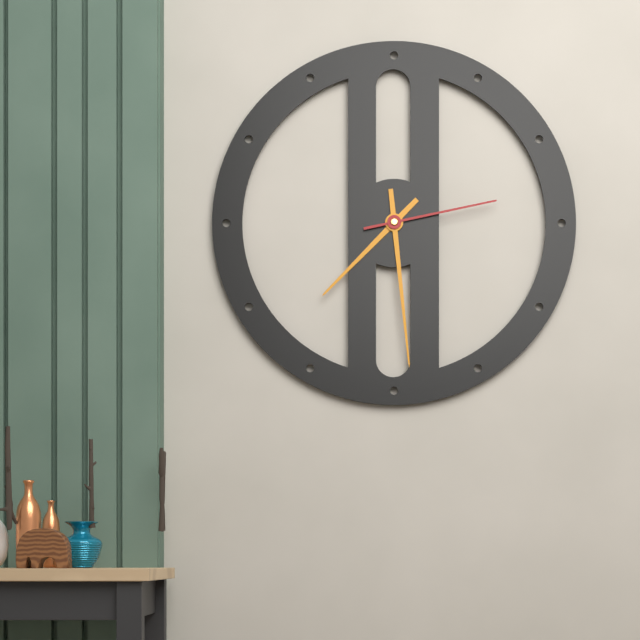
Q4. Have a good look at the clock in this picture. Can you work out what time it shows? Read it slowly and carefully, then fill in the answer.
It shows 7:29:13
